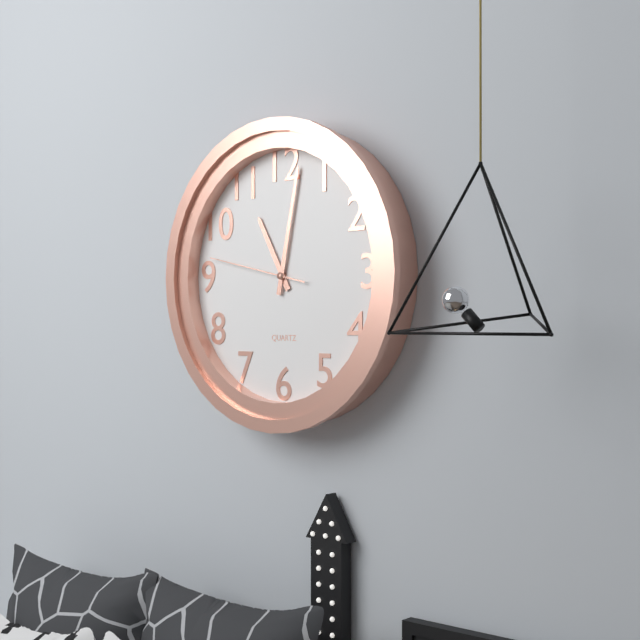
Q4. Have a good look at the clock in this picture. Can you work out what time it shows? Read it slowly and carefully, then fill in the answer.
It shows 11:02:47
